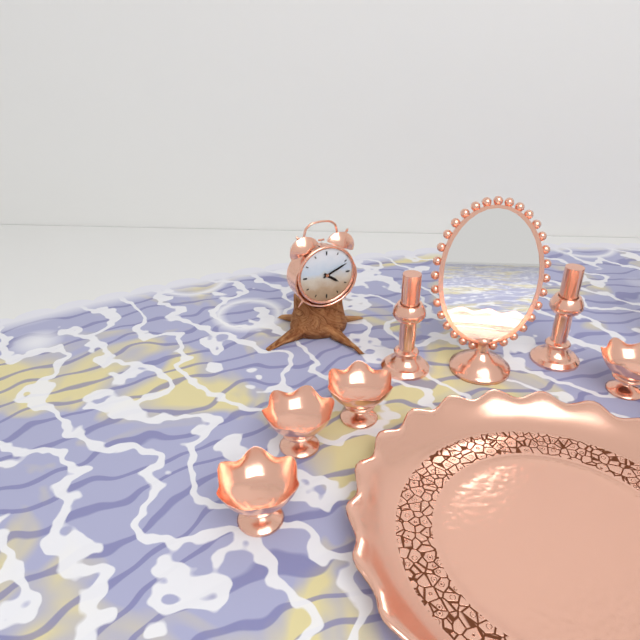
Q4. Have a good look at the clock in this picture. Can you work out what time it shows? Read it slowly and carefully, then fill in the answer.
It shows 4:11
